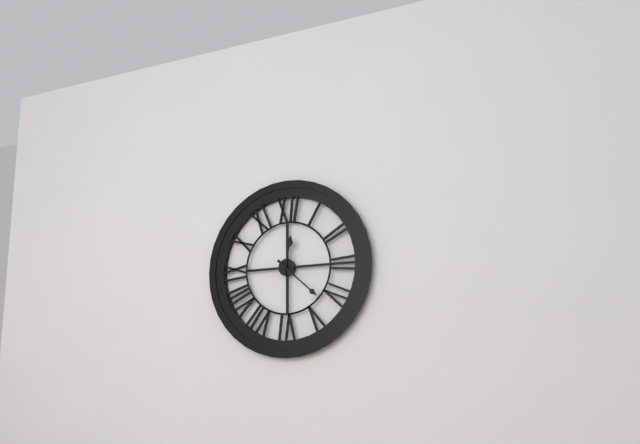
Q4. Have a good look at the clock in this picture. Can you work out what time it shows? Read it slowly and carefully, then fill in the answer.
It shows 12:22
